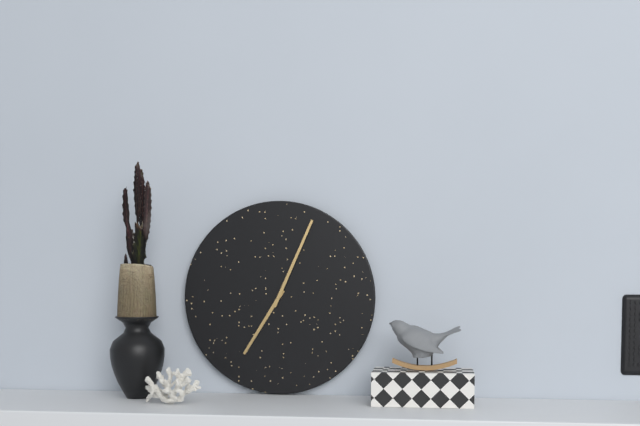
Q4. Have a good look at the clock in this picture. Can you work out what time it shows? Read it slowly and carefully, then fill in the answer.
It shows 7:04
